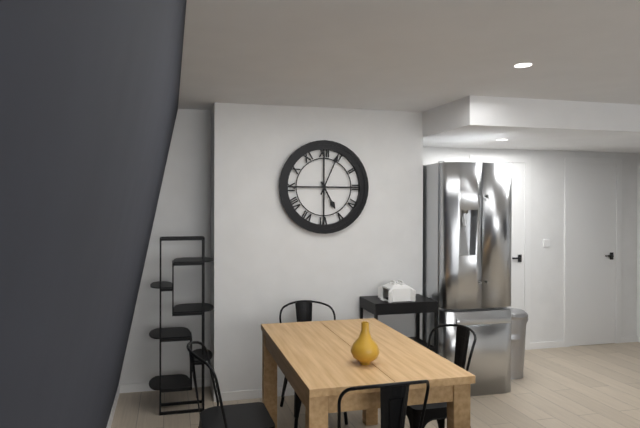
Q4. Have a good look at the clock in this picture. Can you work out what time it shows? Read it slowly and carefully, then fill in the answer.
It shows 5:04
